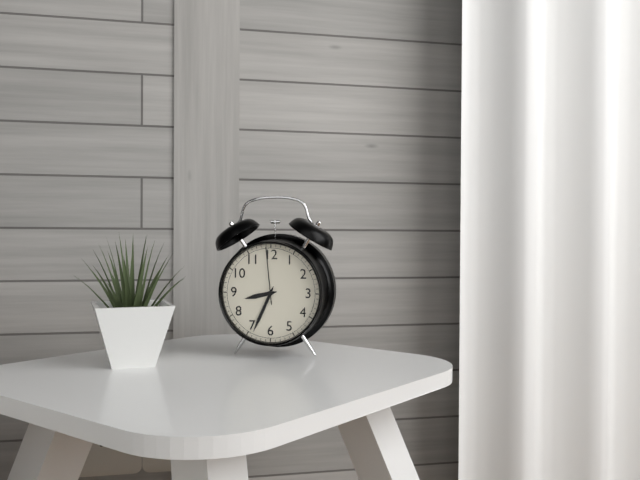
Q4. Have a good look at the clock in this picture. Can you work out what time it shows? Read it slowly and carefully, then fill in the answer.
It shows 8:34:59
